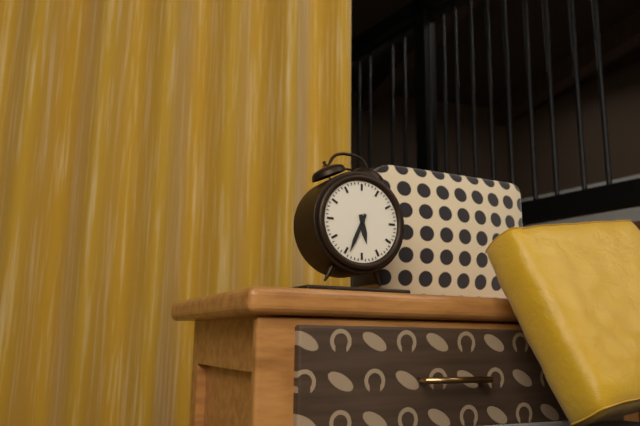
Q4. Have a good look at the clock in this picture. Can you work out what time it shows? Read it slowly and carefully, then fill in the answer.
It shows 5:34
